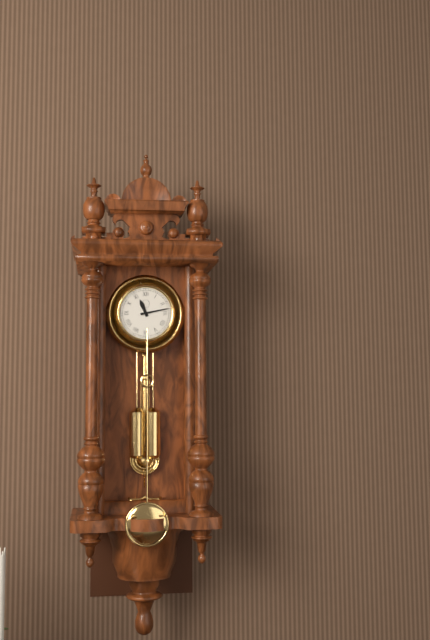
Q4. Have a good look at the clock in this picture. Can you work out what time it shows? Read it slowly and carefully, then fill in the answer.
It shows 11:13
